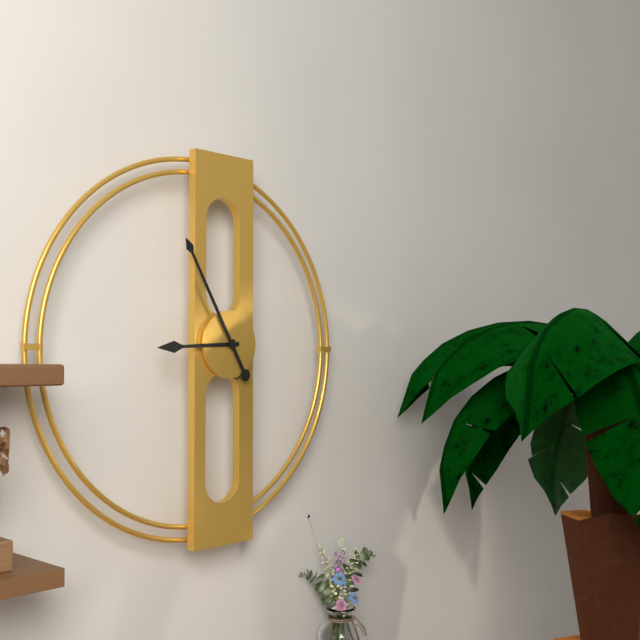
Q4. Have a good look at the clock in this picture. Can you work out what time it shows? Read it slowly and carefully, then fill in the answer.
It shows 8:55
